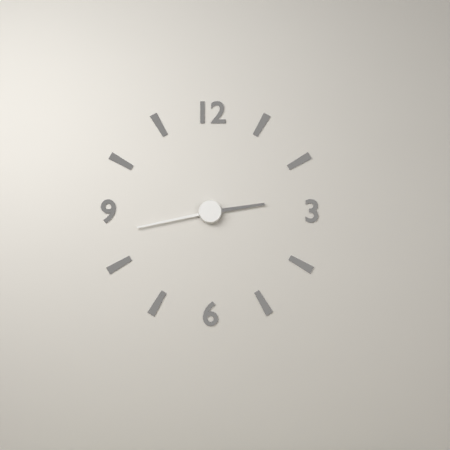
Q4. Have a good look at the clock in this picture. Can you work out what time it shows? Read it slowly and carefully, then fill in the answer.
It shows 2:43
